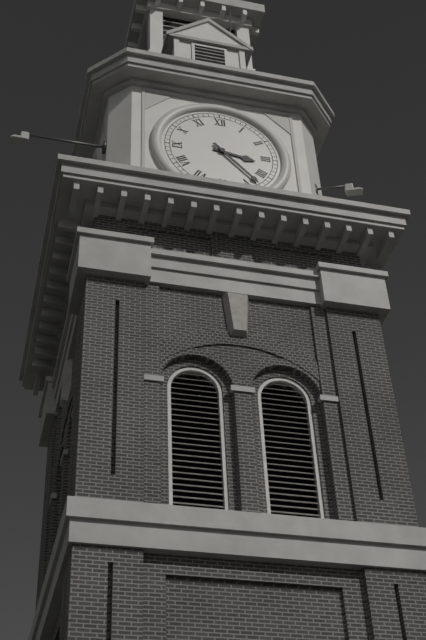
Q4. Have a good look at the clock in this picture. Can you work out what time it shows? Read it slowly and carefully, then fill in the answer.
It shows 3:23
